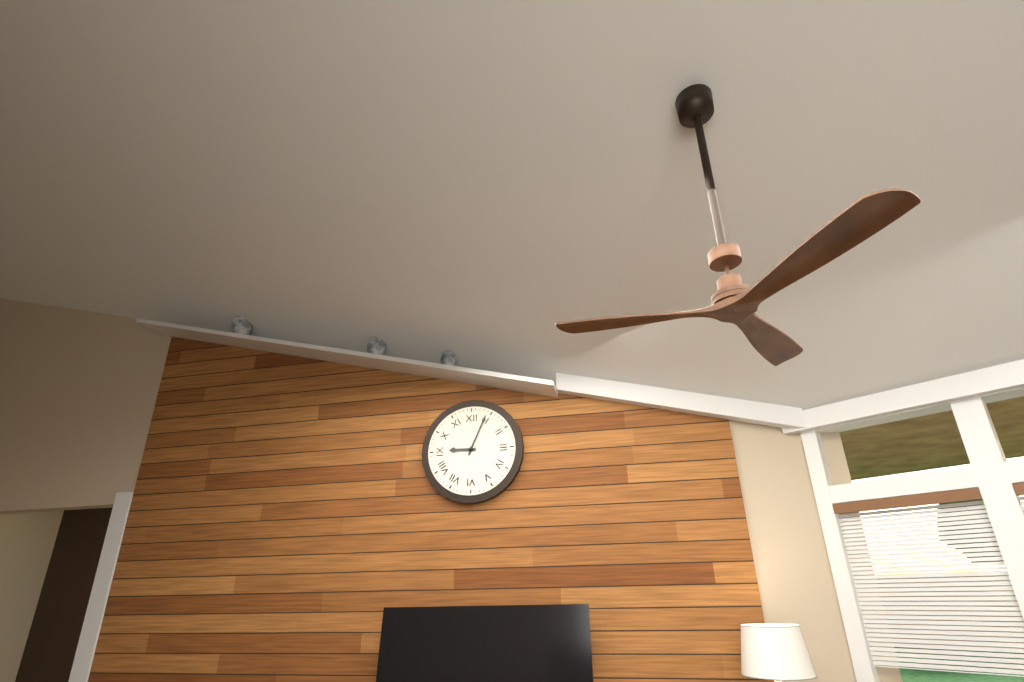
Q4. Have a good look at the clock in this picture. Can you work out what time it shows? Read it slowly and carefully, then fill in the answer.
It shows 9:04
